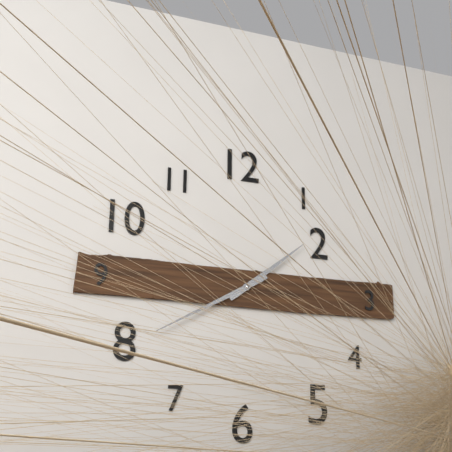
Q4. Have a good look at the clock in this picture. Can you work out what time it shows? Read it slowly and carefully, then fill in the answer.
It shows 1:40
